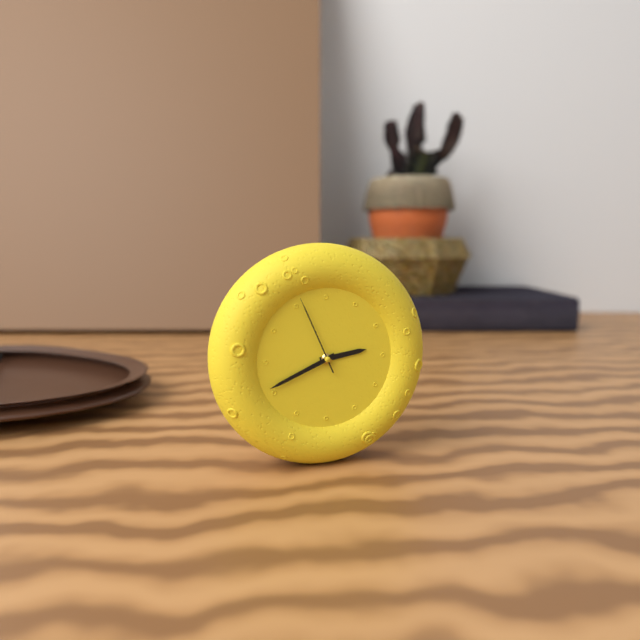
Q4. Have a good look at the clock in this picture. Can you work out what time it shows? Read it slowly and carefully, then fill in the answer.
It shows 2:41:56
